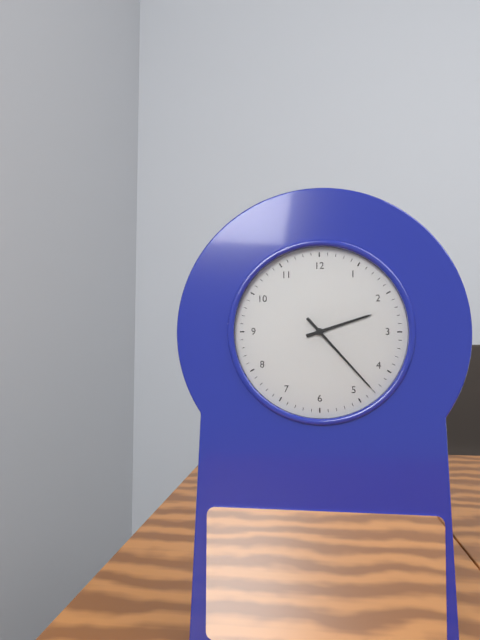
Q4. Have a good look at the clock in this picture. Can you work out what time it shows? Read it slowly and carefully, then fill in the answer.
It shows 2:23
